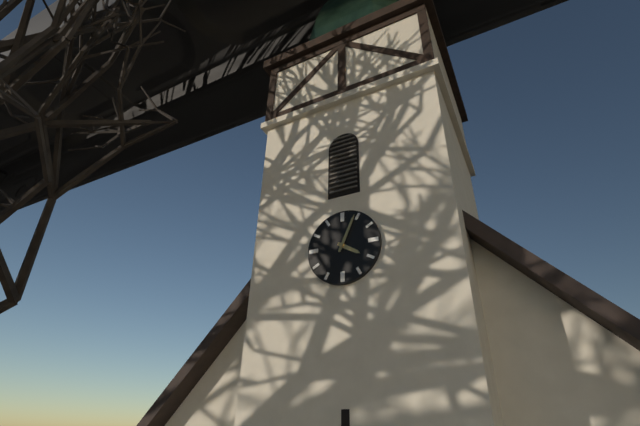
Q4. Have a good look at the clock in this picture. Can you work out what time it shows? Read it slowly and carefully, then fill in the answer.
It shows 4:04
